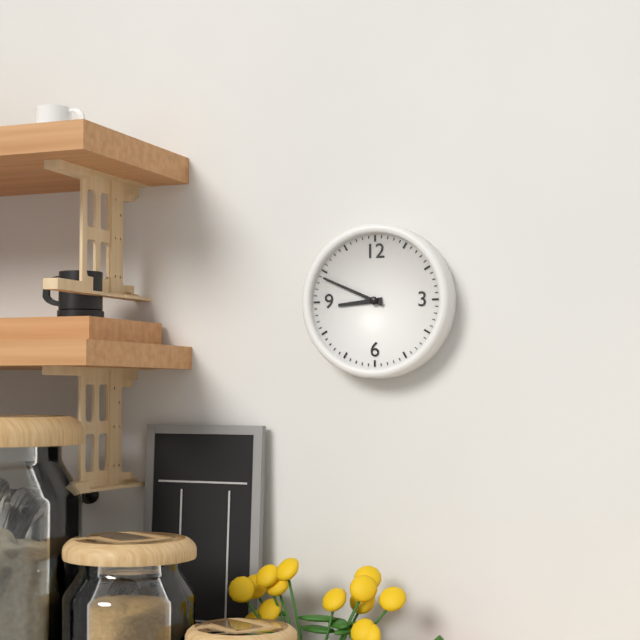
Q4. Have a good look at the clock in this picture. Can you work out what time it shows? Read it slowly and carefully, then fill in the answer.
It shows 8:49
